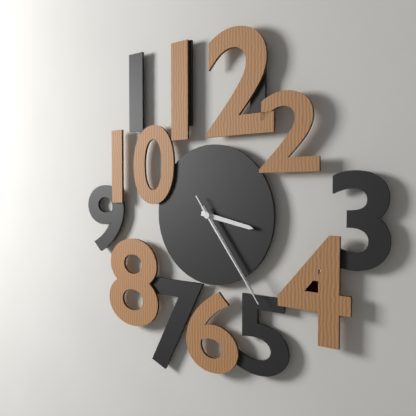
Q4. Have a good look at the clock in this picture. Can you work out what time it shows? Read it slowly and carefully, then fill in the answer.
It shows 3:24:24
